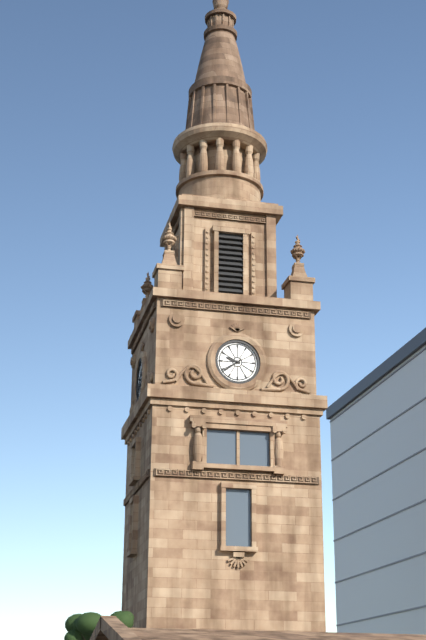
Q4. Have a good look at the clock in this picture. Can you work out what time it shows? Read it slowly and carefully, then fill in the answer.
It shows 9:39
